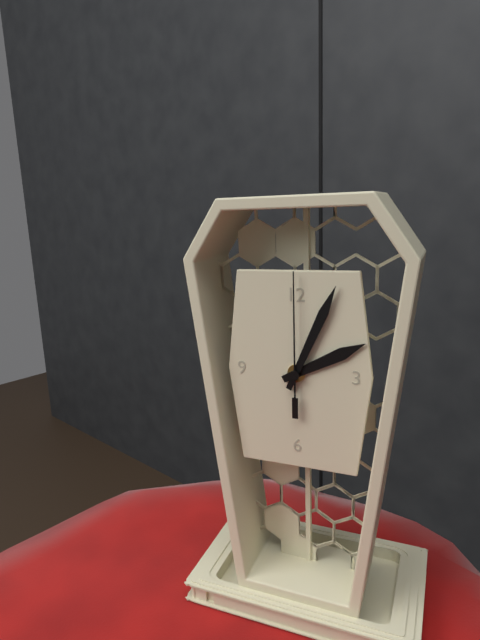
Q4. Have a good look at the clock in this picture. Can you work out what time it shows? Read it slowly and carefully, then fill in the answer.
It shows 2:04:00
